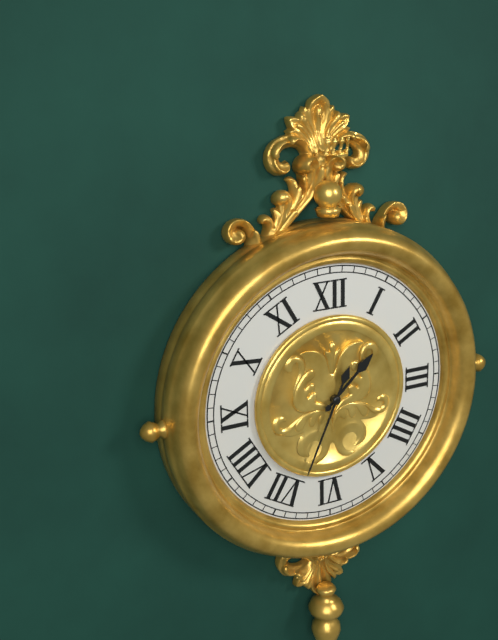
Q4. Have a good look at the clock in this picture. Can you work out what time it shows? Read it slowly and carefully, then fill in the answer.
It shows 1:34
